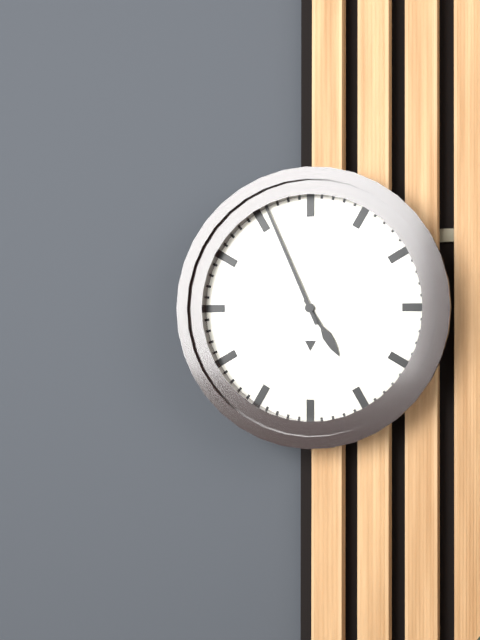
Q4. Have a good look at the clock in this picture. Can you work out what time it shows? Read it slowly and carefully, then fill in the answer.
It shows 4:56
